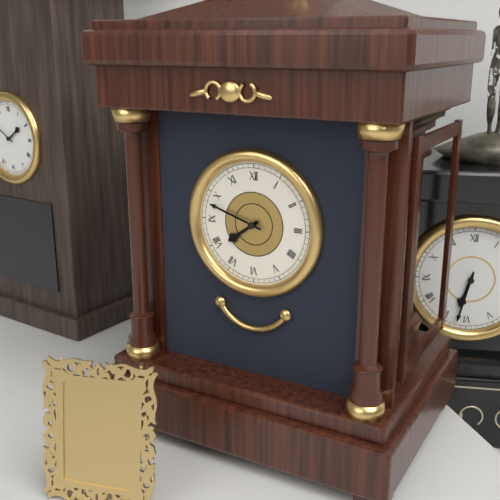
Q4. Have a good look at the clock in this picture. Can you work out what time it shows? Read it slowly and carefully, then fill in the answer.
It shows 7:48
